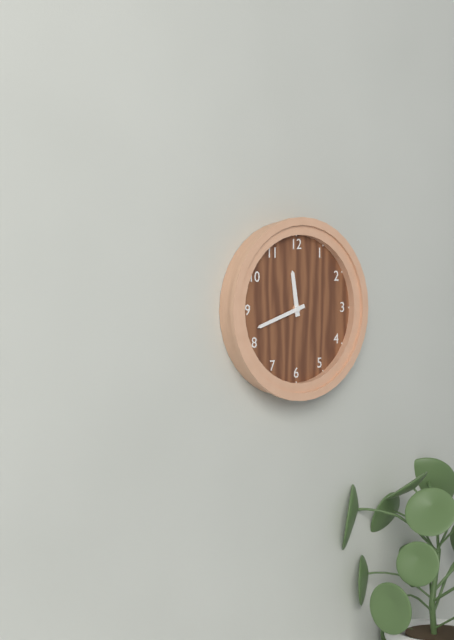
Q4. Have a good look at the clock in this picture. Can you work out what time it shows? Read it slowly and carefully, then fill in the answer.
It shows 11:42
